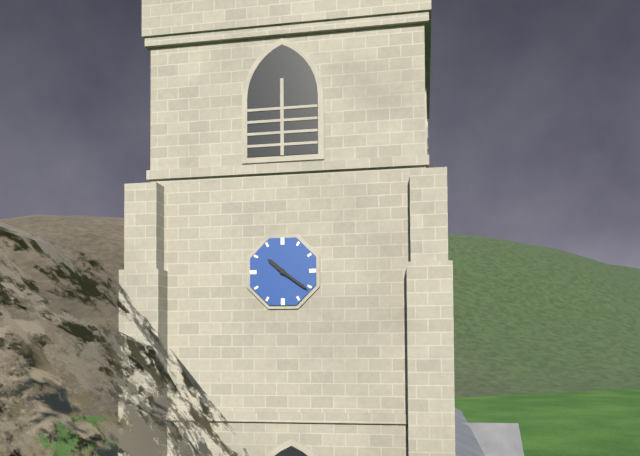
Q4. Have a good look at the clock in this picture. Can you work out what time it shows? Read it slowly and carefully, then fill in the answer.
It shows 10:21
